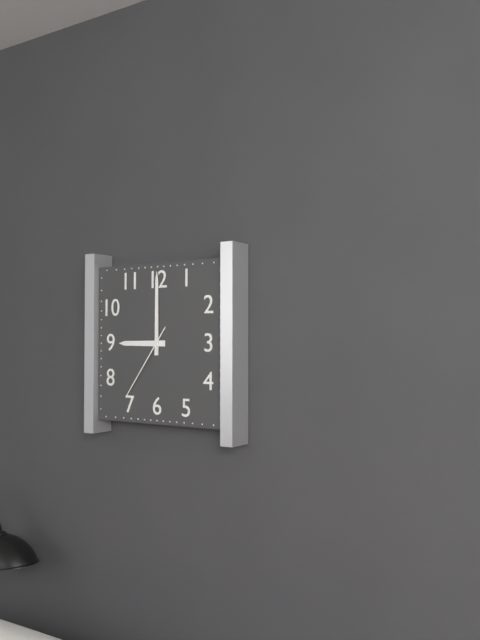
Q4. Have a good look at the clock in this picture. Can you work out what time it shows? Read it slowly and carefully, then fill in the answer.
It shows 9:00:36
